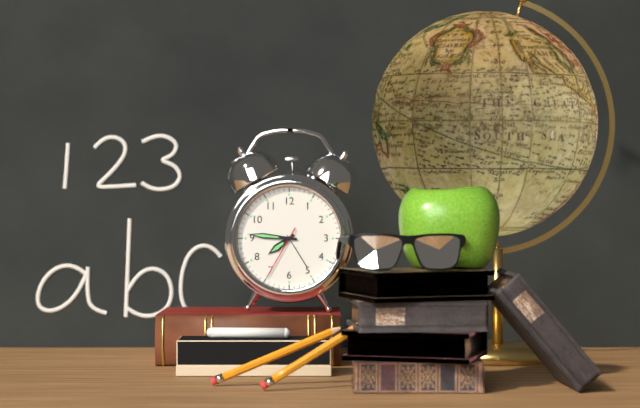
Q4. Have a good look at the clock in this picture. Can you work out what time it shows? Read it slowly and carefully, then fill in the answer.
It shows 7:46:35
